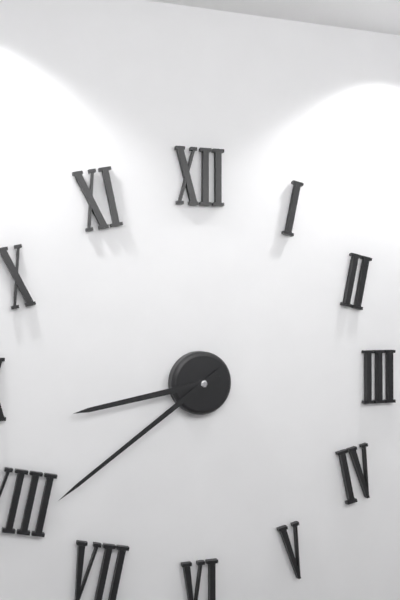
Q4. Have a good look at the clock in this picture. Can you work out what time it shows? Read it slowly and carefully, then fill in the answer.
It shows 8:39
